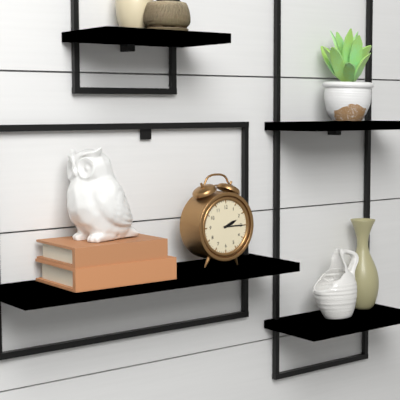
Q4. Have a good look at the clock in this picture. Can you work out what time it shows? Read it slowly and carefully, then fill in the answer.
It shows 2:15
